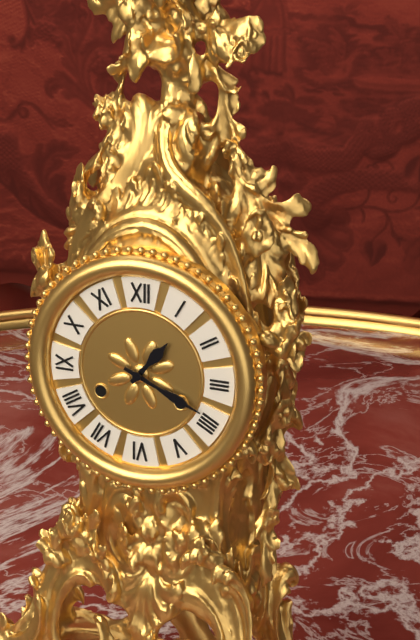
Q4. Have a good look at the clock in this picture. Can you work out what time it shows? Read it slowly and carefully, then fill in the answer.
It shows 1:19
